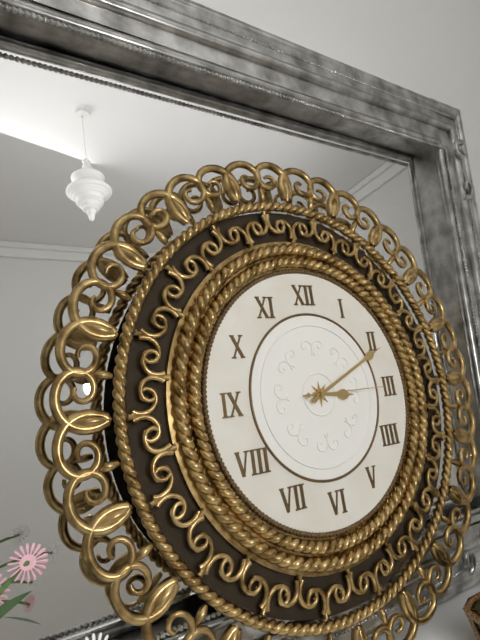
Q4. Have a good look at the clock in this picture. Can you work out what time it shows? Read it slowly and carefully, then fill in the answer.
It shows 3:11:15
